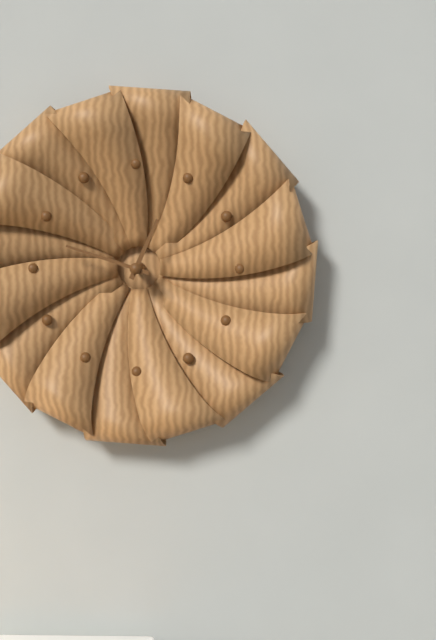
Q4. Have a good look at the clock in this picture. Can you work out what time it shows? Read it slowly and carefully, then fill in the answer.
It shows 12:48
